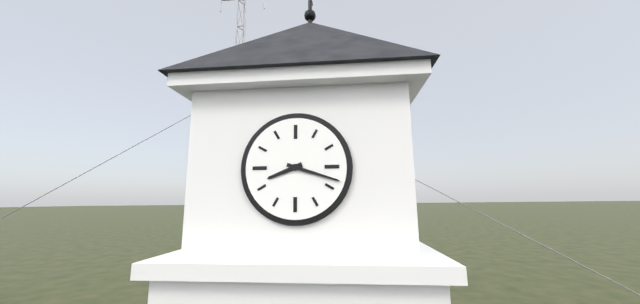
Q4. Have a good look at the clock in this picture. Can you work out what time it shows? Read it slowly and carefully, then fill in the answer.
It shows 8:18
